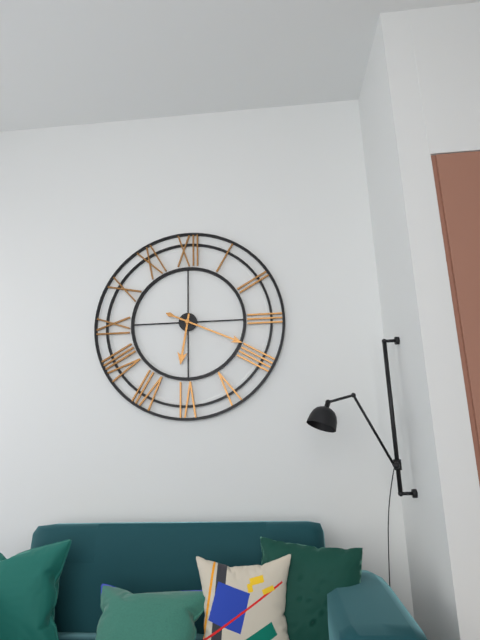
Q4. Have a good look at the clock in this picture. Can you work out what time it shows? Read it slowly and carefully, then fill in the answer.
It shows 6:19
